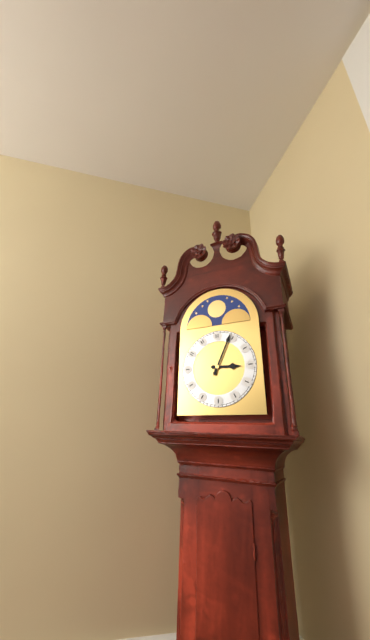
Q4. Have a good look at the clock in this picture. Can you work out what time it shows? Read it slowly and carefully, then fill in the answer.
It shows 3:04
